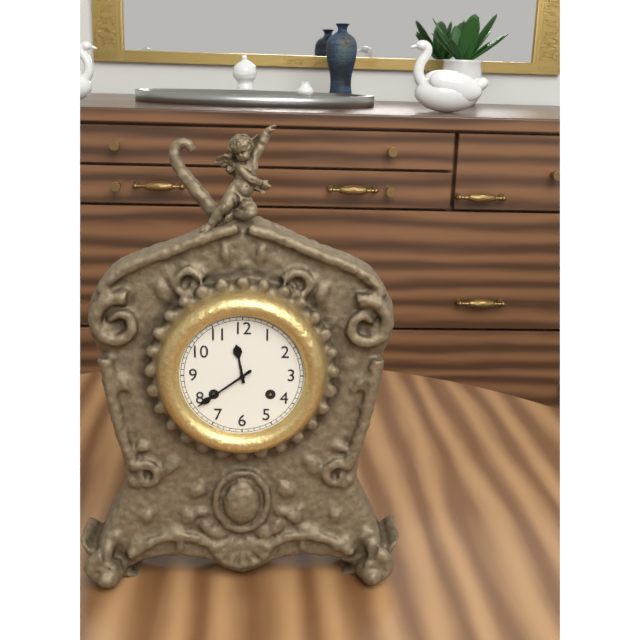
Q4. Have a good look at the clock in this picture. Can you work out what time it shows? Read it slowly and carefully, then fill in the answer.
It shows 11:39
